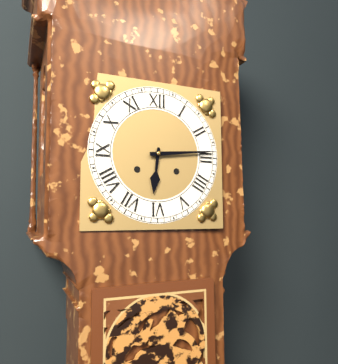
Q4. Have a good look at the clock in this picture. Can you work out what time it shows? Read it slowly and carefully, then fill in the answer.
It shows 6:14
